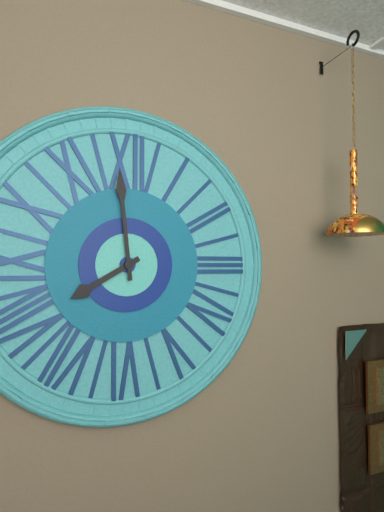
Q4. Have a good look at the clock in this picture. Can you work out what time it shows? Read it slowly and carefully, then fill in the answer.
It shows 7:59
